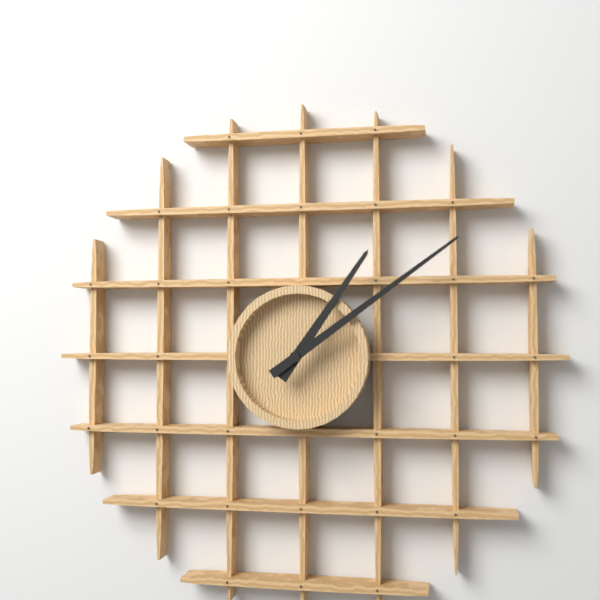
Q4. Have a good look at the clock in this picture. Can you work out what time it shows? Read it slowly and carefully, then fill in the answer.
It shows 1:09
